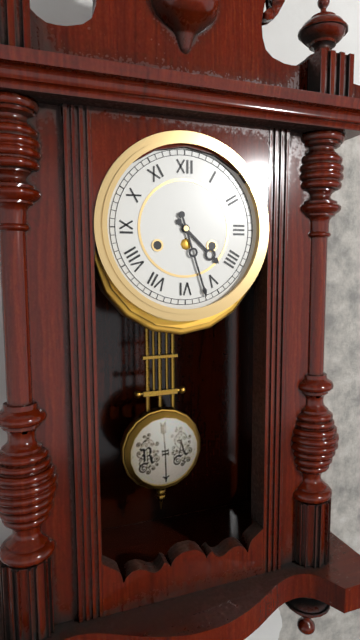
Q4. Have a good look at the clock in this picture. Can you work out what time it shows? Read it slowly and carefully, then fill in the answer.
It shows 4:27
